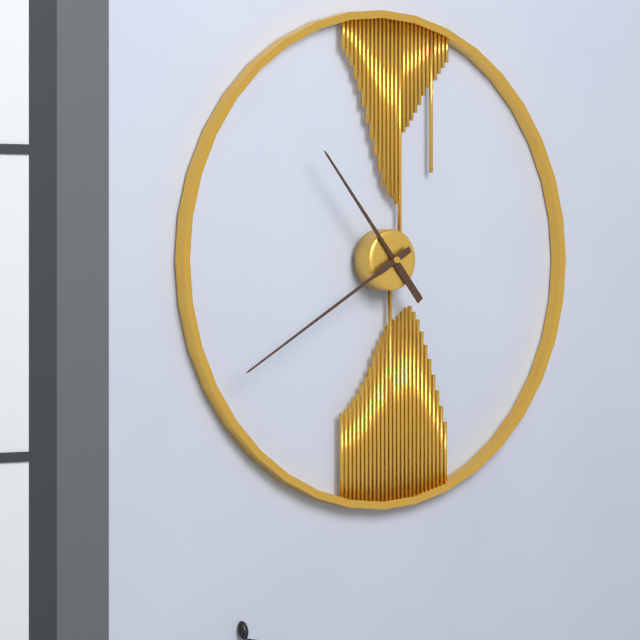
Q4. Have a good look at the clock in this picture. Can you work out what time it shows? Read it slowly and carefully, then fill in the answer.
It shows 10:40
